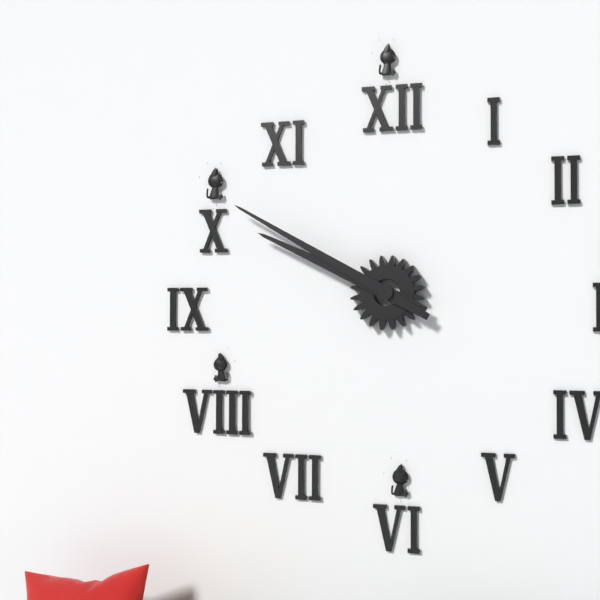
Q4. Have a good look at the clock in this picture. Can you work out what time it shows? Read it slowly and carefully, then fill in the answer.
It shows 9:50
